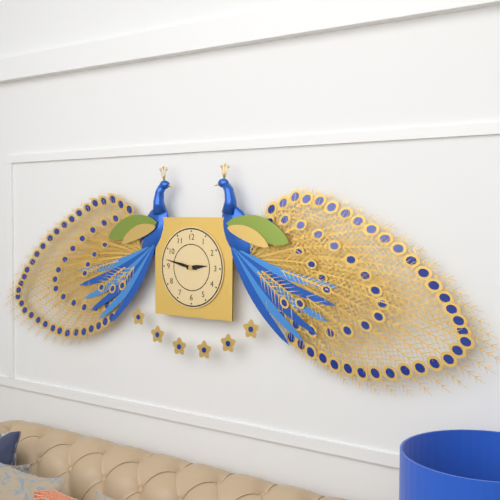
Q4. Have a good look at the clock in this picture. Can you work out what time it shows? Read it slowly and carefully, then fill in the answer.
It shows 2:47
